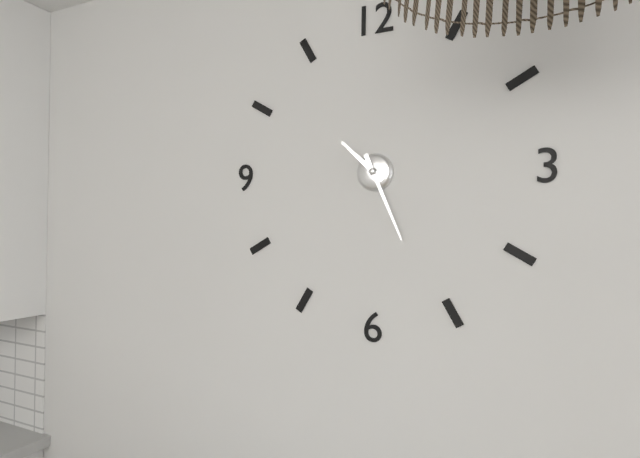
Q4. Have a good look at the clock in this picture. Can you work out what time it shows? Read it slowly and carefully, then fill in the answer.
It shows 10:26
